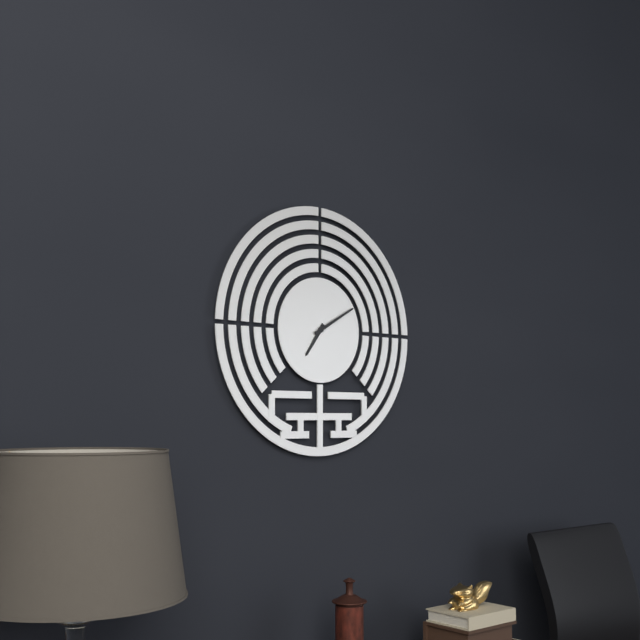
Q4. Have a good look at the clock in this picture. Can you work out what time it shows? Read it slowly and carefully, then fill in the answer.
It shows 7:10
